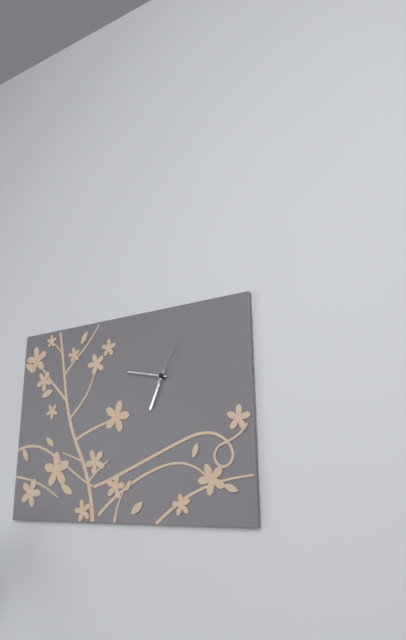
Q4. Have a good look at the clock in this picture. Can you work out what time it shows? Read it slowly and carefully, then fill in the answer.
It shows 6:47
